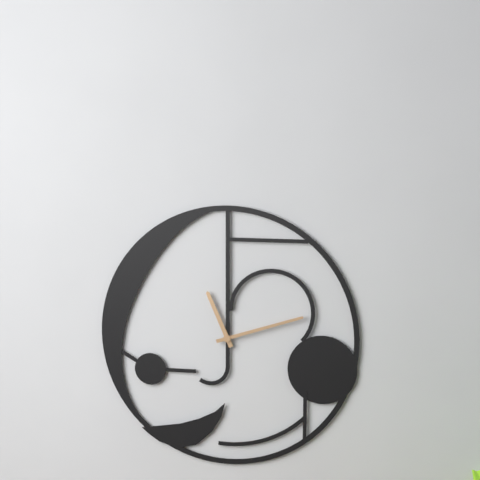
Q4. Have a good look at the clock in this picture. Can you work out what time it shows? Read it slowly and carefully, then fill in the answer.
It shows 11:12
